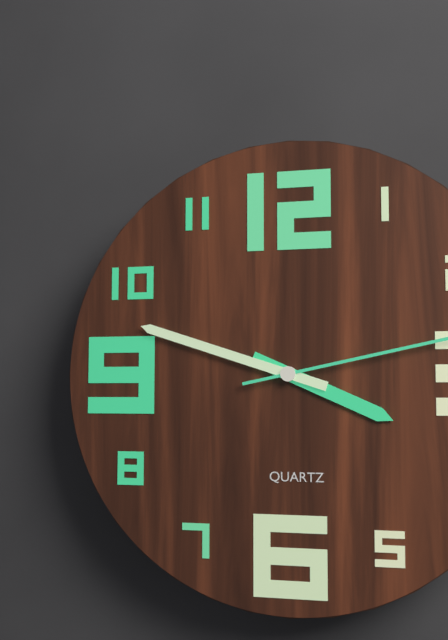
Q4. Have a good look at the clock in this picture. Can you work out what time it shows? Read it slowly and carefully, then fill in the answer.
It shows 3:48
